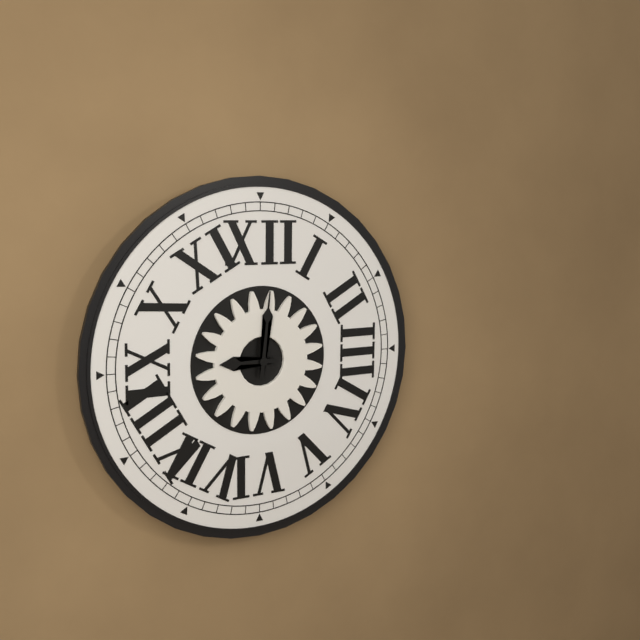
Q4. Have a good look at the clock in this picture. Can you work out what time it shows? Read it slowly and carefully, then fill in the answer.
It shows 9:01
